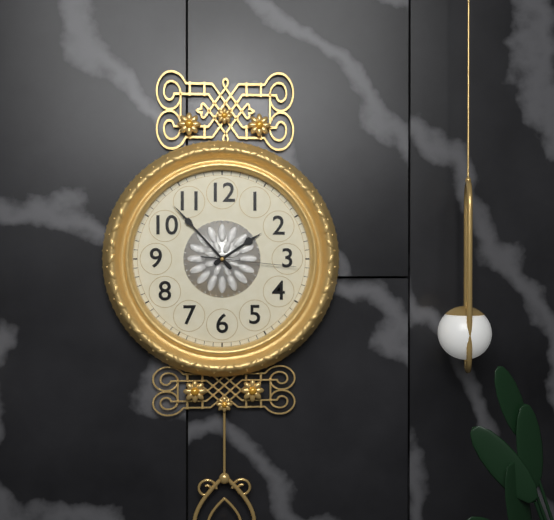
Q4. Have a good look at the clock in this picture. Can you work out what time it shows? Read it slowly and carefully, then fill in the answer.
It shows 1:53:16
